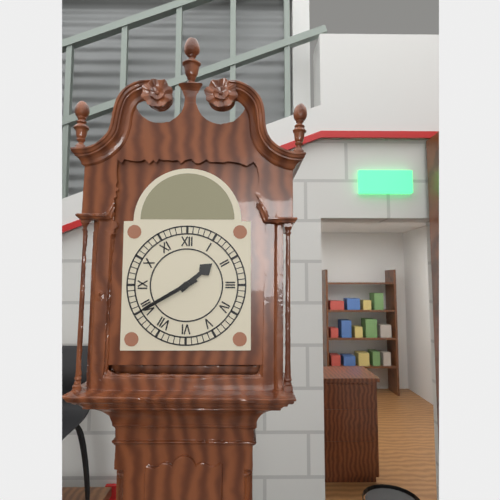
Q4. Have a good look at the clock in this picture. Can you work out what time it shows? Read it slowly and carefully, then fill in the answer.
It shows 1:40
